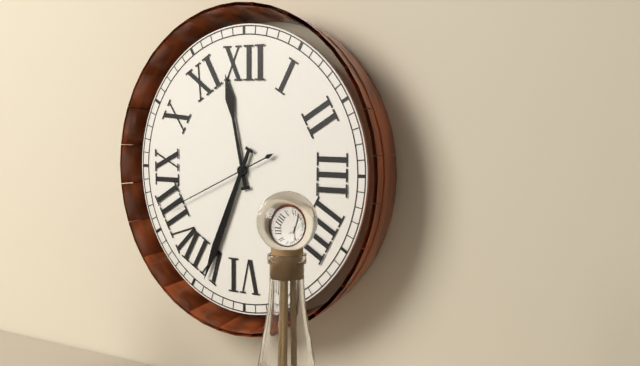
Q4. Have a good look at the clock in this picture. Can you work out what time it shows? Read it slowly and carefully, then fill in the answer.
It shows 11:34:41
